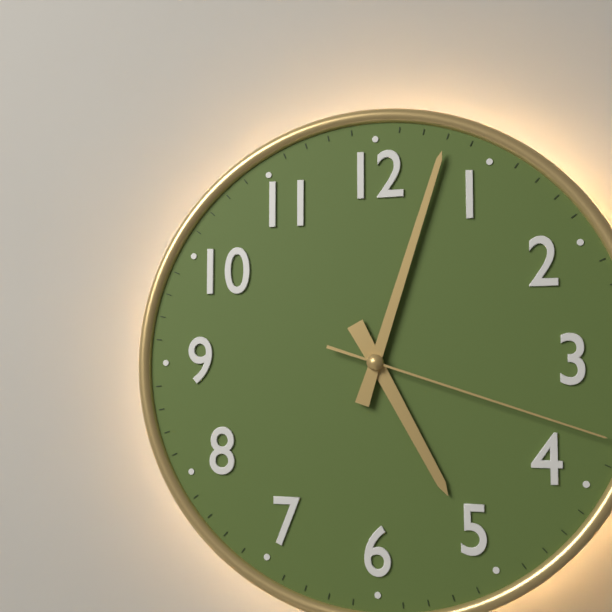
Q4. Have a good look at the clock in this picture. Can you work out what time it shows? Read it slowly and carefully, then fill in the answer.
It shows 5:03:18
